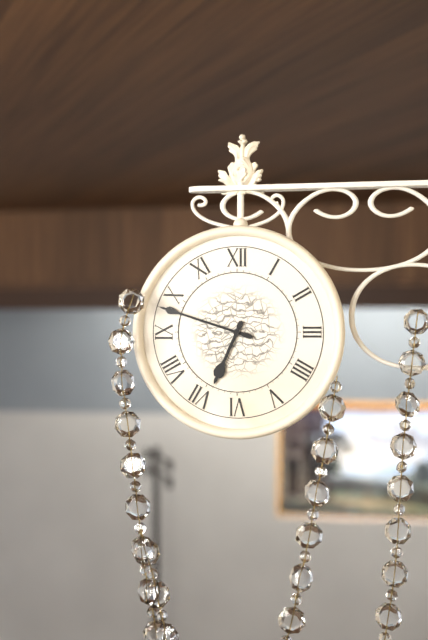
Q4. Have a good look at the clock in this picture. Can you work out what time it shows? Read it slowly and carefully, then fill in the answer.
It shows 6:48
